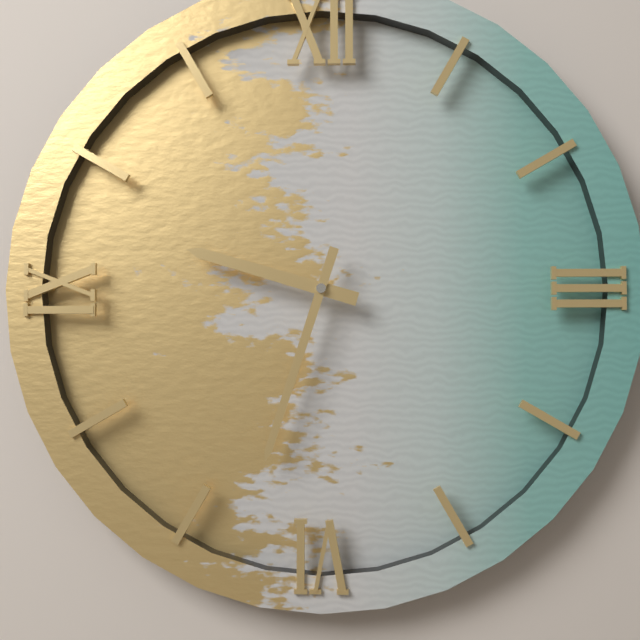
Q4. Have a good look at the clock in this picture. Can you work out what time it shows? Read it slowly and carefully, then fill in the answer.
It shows 9:33
